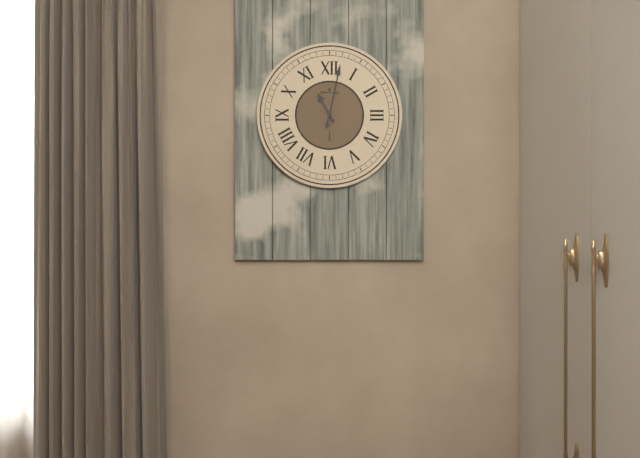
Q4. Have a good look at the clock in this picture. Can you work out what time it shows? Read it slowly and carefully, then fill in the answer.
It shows 11:02
